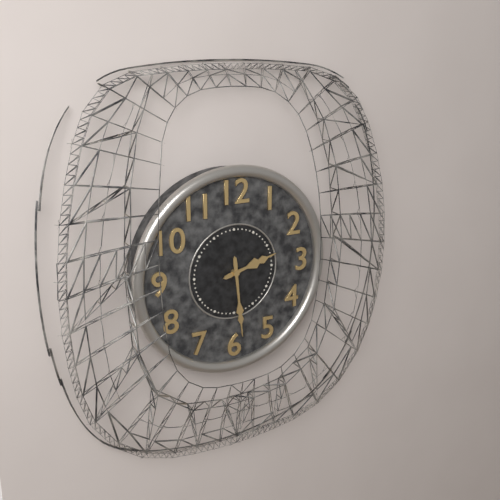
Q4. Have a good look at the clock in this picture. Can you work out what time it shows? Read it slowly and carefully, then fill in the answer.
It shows 2:29
